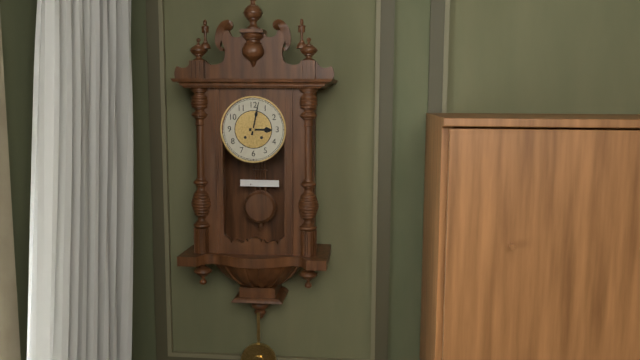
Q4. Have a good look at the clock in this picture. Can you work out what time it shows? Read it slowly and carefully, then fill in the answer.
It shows 3:02
